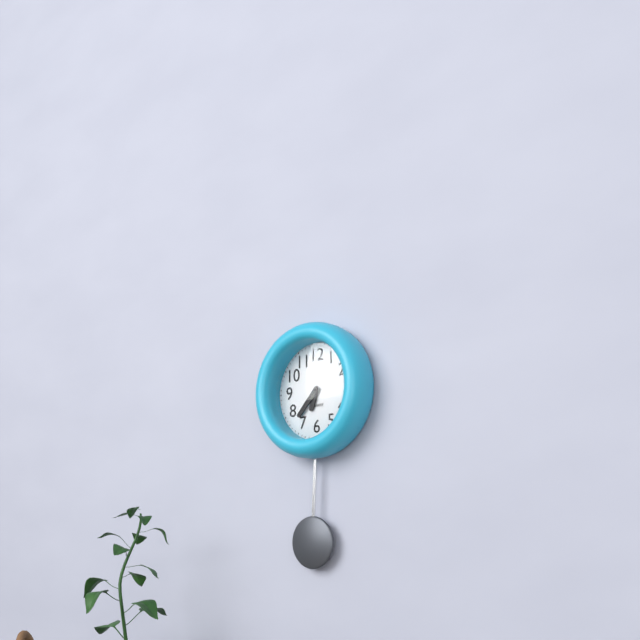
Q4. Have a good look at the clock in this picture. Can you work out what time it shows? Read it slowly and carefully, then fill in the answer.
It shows 6:37
